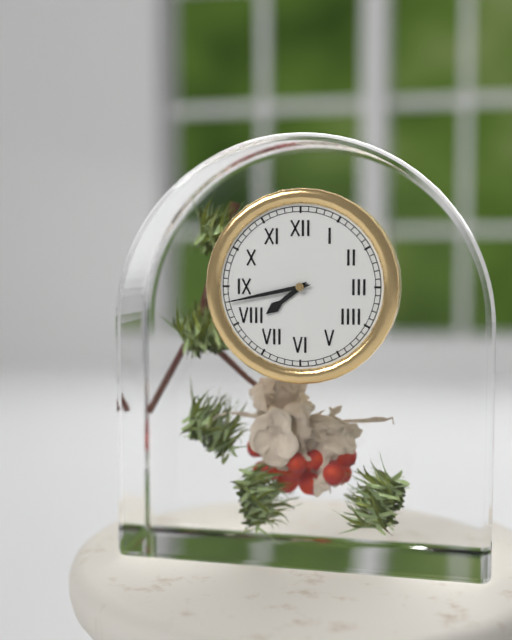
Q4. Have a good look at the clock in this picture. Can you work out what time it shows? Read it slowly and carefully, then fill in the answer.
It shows 7:43
